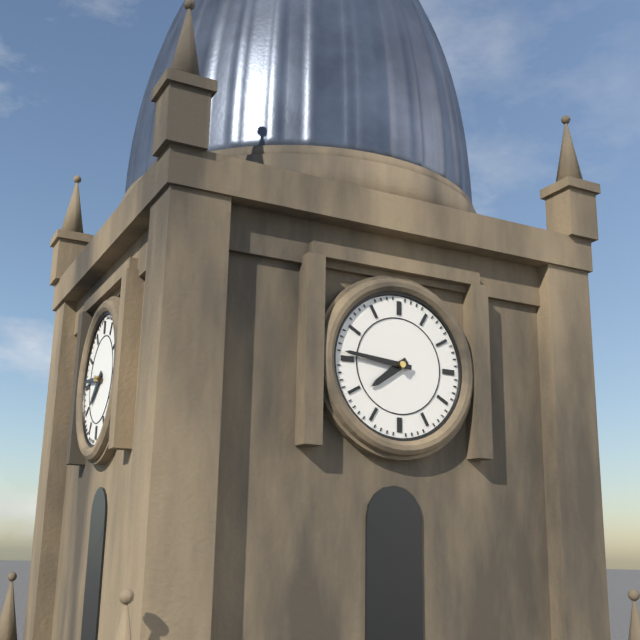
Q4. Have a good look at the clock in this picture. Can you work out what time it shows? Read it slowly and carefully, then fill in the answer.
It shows 7:46
